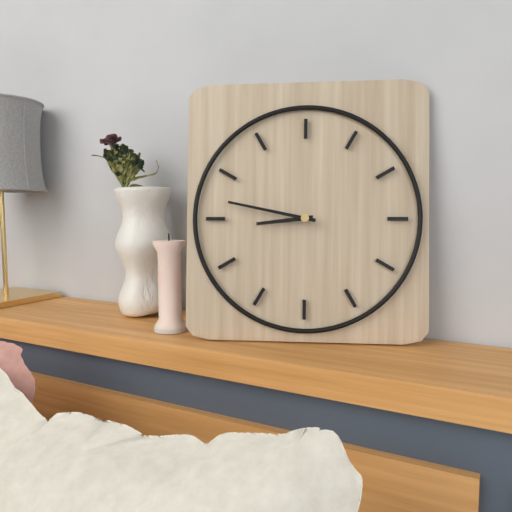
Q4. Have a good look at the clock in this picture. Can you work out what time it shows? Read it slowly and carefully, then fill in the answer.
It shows 8:47
